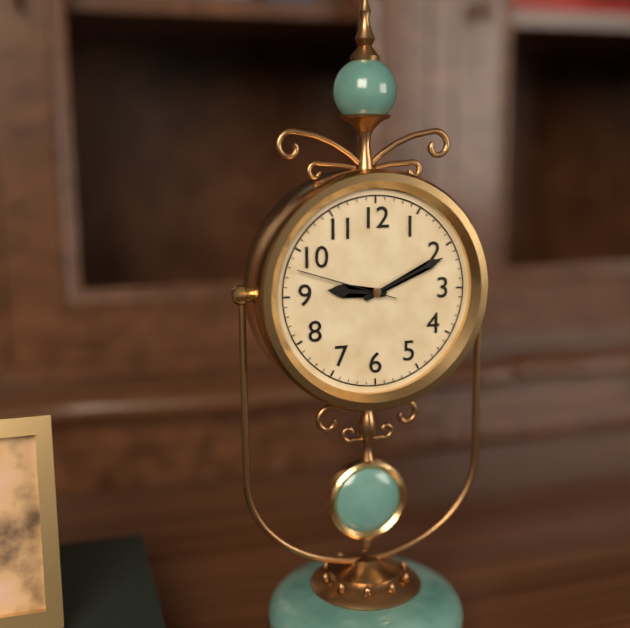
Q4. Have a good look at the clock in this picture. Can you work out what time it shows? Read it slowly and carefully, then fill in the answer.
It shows 9:11:48
